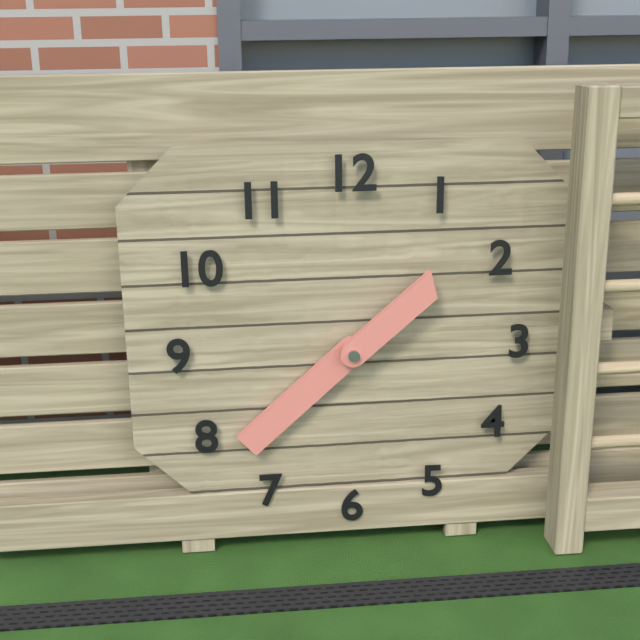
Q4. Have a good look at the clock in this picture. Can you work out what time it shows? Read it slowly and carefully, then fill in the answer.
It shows 1:38
